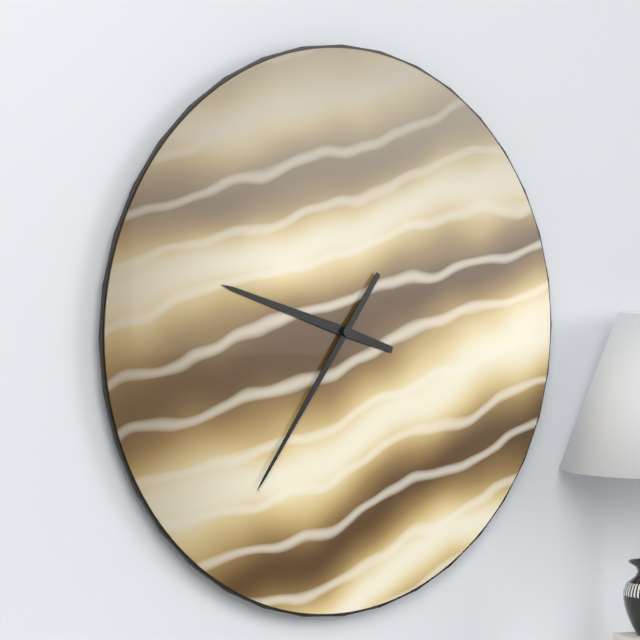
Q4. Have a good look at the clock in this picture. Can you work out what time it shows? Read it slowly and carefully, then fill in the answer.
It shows 9:36
